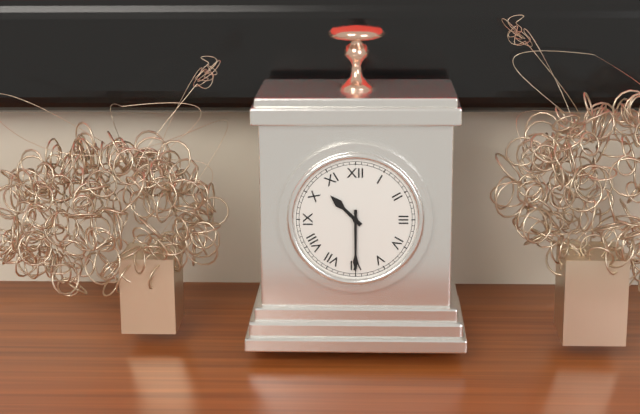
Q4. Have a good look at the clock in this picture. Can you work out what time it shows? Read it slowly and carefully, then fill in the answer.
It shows 10:30
